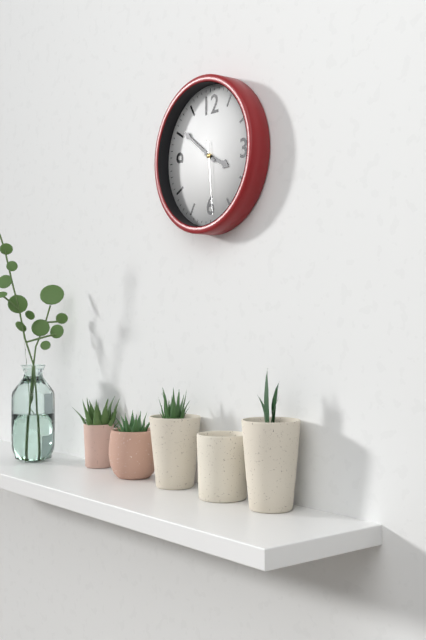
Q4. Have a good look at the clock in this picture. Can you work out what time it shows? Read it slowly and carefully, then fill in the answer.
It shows 3:51:29
